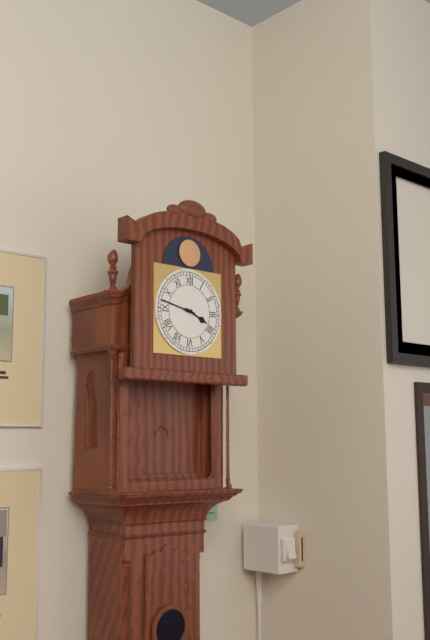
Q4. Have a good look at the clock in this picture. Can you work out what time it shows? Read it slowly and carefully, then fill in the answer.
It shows 3:47
